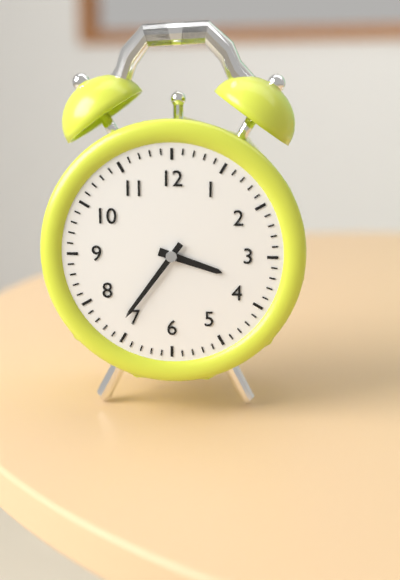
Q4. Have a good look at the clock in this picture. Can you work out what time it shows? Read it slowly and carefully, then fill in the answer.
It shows 3:36
